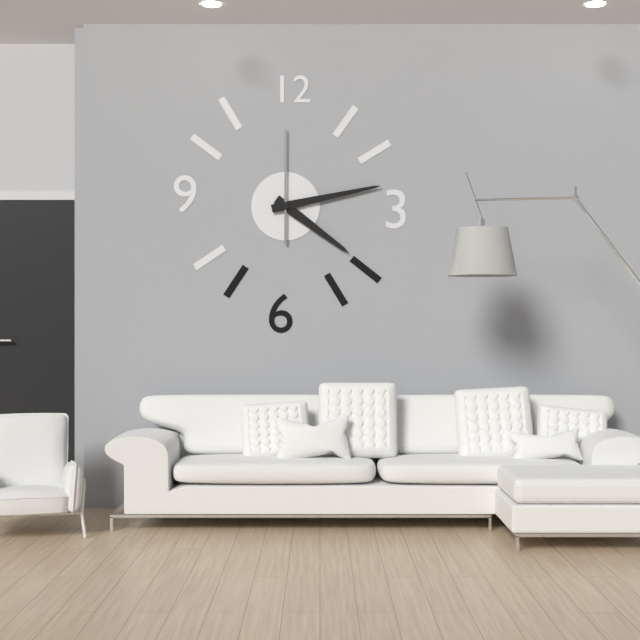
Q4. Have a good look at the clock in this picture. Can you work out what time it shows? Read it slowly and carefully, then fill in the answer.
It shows 4:13:00
